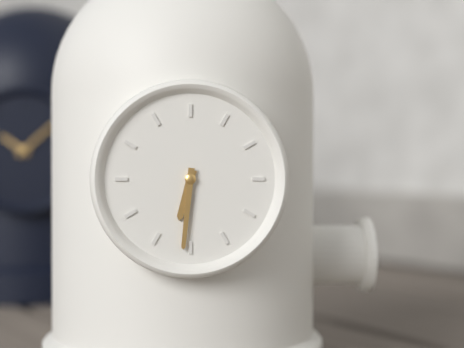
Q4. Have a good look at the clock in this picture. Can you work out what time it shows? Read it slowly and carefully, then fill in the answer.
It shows 6:31
